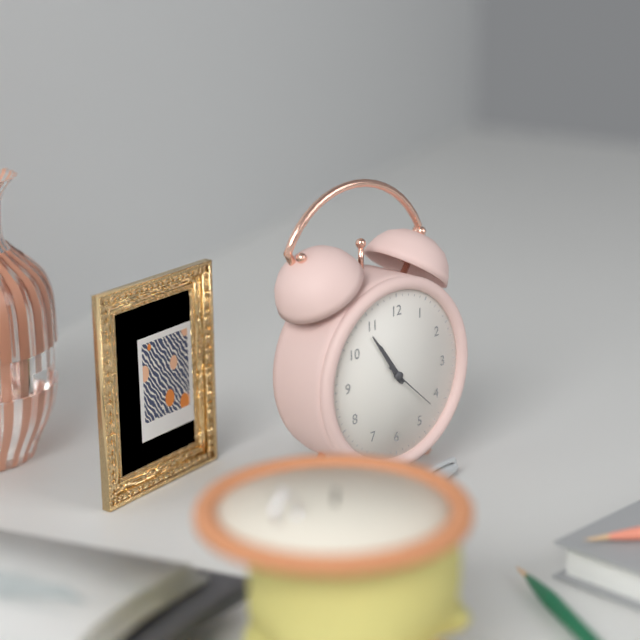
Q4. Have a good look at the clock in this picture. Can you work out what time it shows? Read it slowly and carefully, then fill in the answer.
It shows 10:54:22
